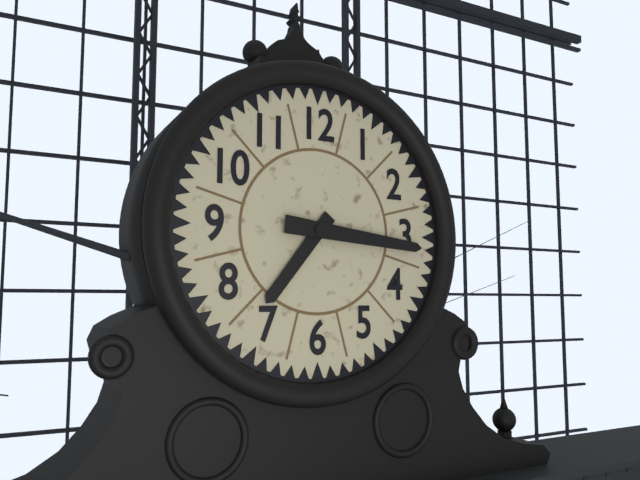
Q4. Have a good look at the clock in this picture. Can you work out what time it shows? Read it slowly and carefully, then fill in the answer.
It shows 7:16
